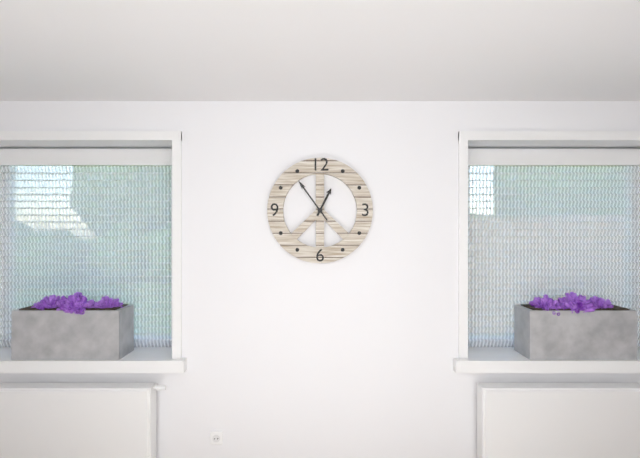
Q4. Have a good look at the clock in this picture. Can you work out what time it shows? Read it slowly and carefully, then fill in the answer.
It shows 12:54
